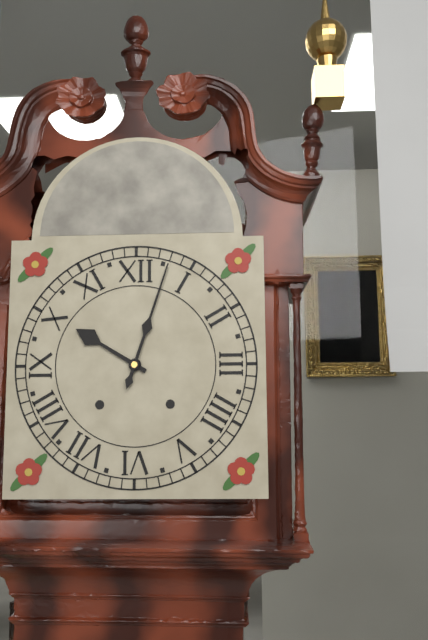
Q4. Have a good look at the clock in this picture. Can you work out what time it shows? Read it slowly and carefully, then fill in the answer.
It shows 10:03
